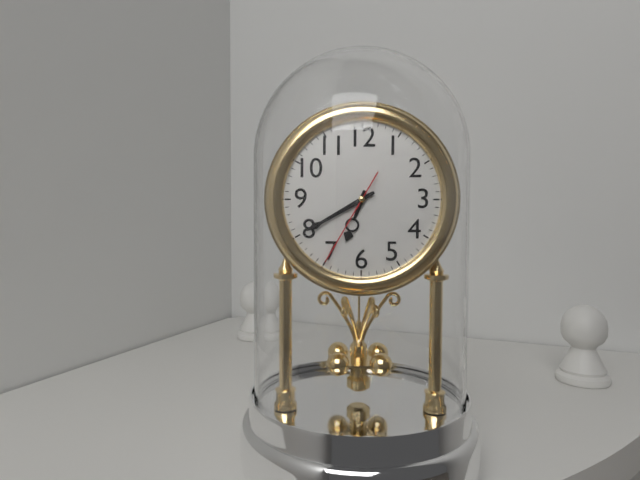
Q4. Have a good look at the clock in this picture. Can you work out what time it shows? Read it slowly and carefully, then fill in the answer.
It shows 6:40:35
